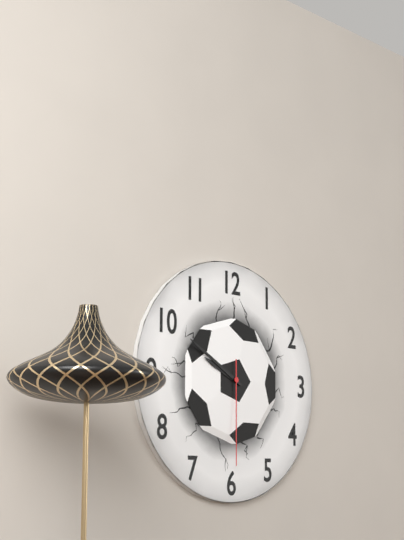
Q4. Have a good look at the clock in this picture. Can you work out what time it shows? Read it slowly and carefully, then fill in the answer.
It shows 9:50:30
